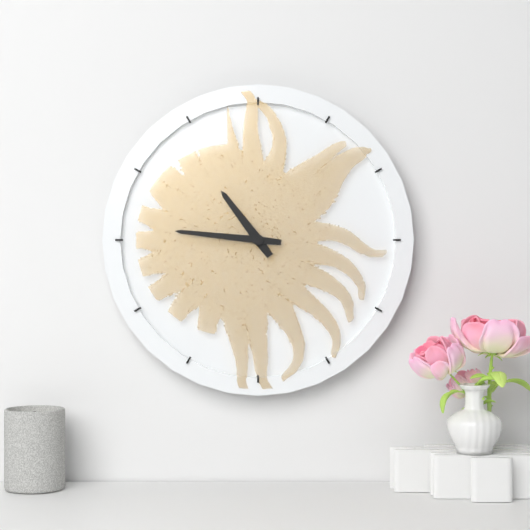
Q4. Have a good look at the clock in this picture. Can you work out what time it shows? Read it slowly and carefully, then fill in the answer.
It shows 10:46
